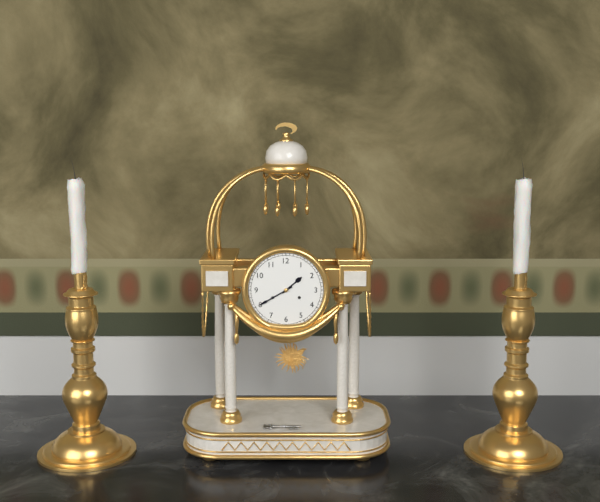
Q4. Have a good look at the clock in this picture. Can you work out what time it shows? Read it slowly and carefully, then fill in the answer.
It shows 1:40
